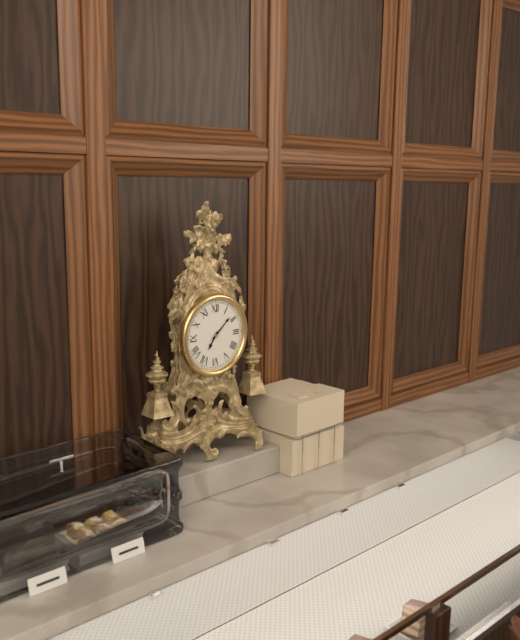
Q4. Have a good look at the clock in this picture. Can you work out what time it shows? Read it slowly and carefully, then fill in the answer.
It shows 7:08
